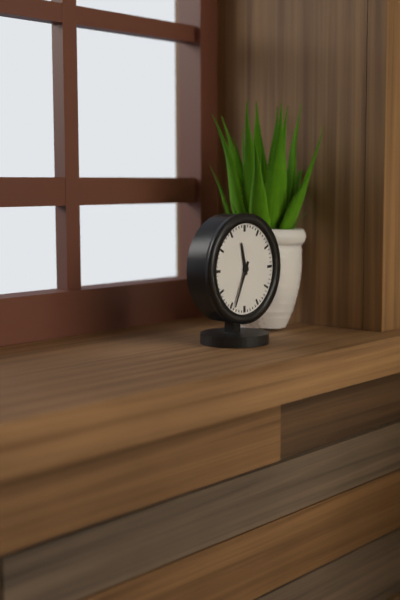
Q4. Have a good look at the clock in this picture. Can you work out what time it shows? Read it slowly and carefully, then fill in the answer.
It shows 11:34
